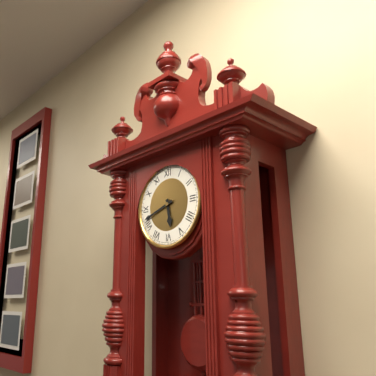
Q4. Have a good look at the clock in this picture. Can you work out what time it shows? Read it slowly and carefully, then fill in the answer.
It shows 5:42
